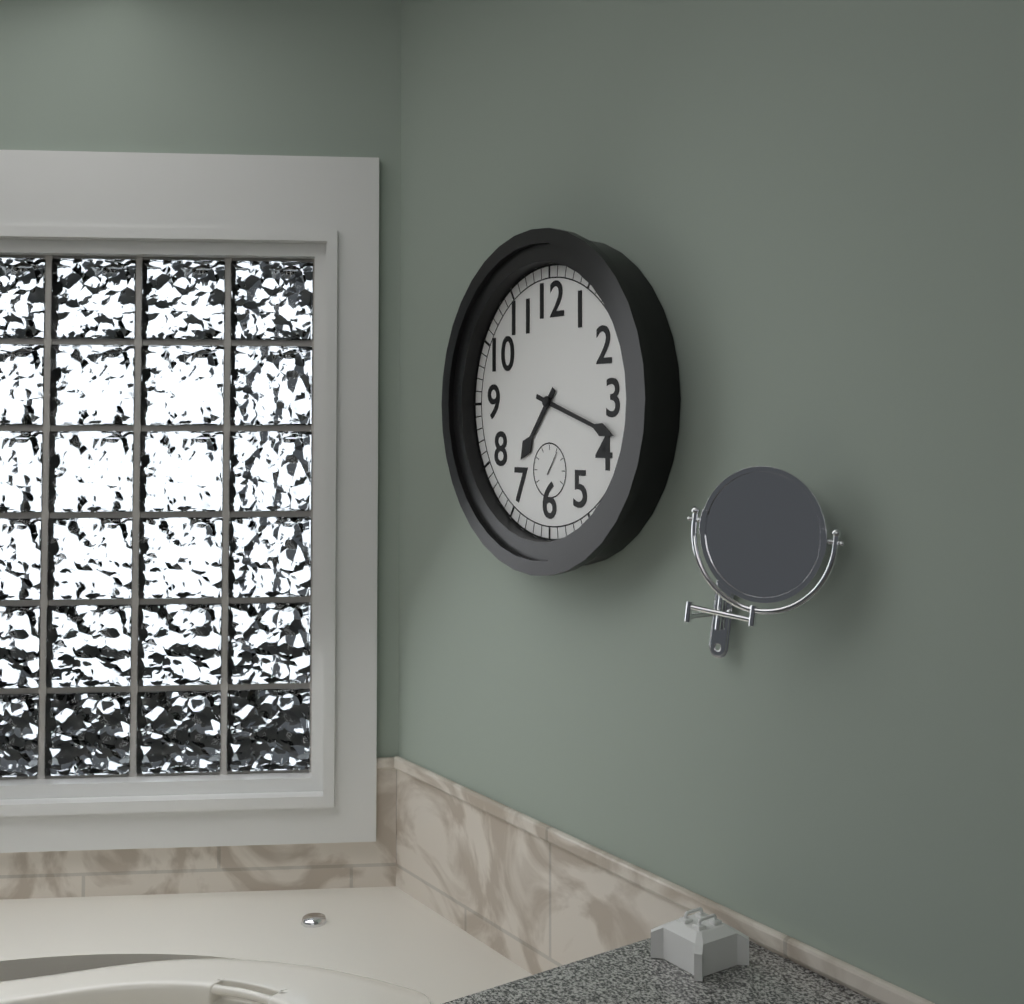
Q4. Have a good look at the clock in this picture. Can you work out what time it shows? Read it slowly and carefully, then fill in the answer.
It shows 7:18
